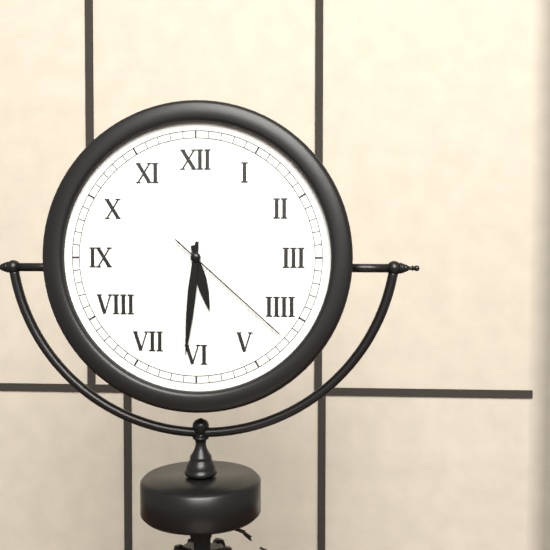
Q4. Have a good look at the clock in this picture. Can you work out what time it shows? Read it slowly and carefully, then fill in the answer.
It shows 5:31:22
